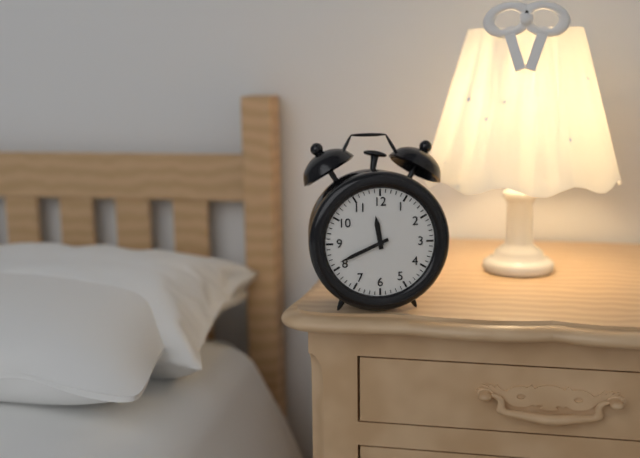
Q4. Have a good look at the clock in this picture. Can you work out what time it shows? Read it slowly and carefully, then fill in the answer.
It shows 11:41
